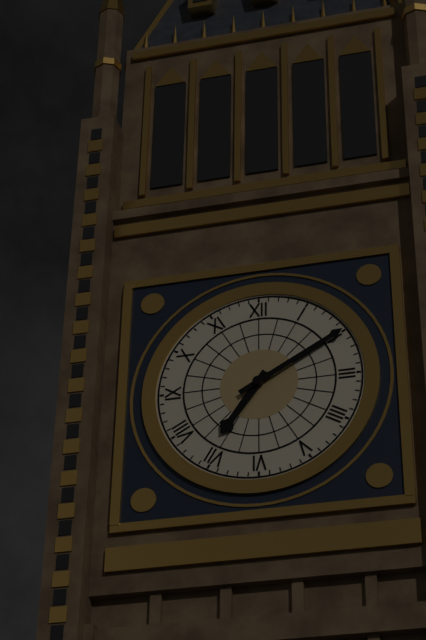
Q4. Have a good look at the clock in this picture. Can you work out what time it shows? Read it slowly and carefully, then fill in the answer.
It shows 7:10
